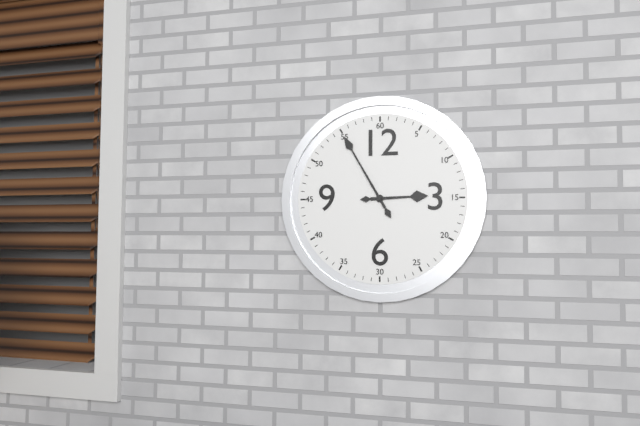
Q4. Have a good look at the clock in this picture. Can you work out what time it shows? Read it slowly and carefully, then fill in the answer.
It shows 2:55
